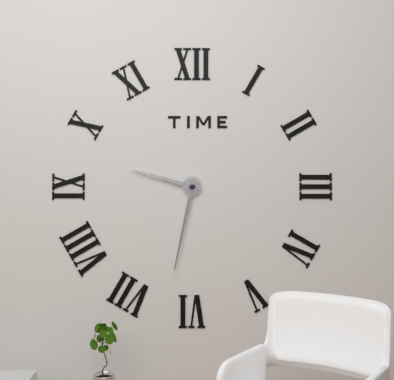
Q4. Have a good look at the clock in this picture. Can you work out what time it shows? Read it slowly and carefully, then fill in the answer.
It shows 9:32
